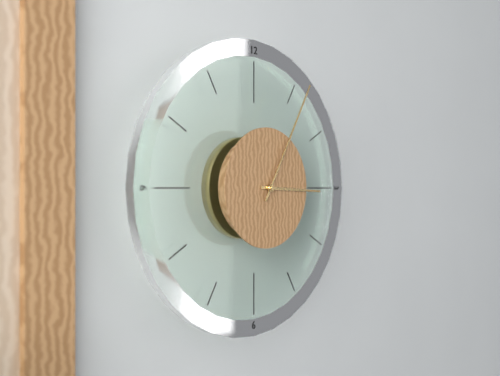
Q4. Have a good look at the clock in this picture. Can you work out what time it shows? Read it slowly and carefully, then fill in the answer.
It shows 3:05
